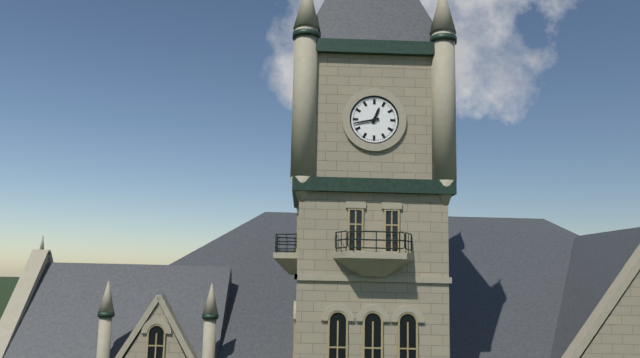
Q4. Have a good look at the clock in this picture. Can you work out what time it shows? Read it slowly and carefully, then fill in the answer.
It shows 12:43
